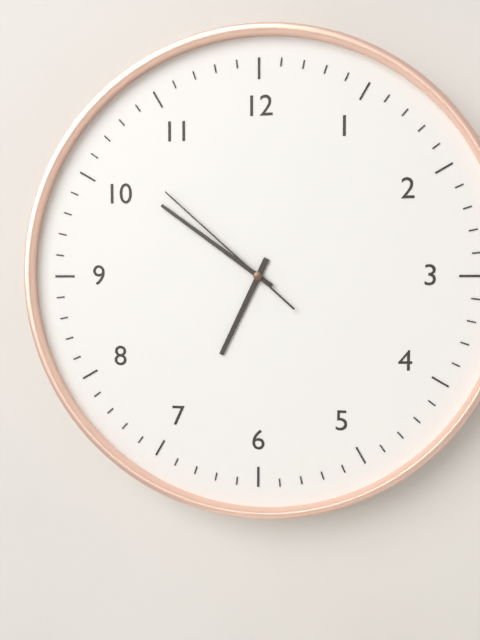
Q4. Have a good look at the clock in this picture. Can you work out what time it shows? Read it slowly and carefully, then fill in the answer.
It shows 6:51:52
